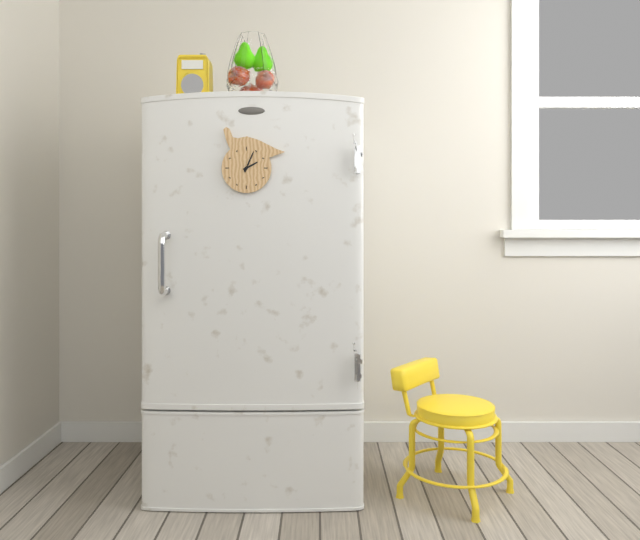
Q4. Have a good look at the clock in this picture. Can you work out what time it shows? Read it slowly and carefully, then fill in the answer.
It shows 2:04
